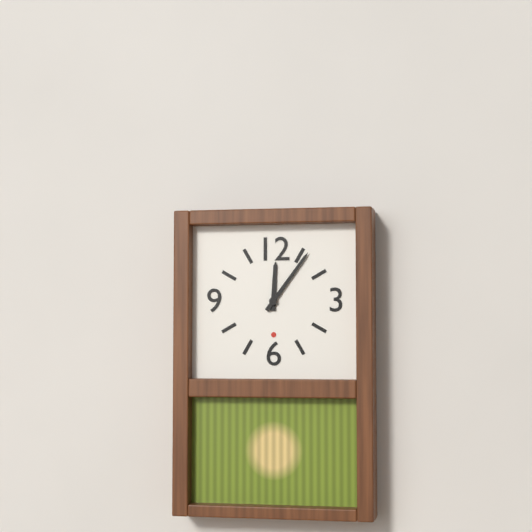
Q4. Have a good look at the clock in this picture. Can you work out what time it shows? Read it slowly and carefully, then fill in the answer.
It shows 12:06
